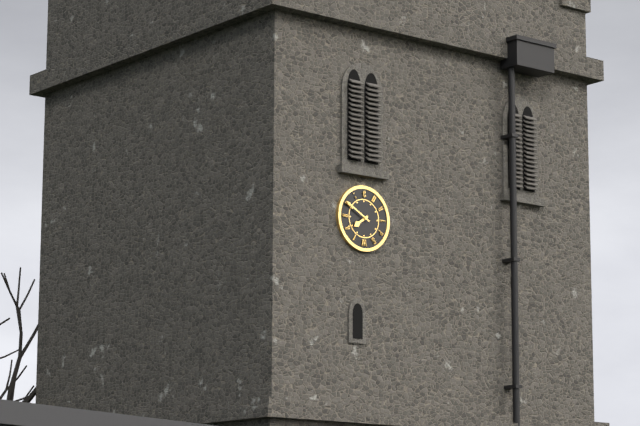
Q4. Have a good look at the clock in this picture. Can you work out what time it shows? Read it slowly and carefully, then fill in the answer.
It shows 7:50
